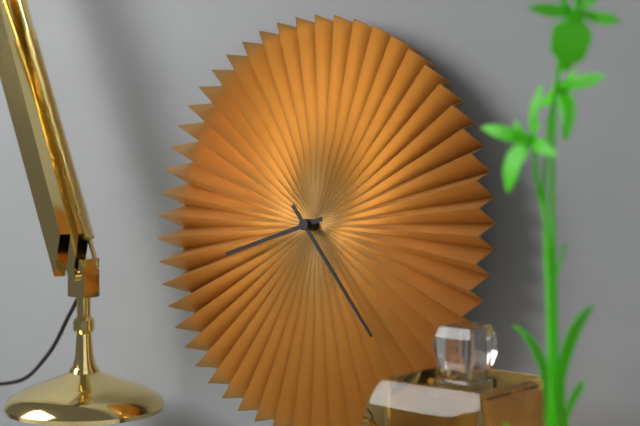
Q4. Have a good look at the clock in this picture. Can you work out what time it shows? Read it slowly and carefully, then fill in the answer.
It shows 8:23
